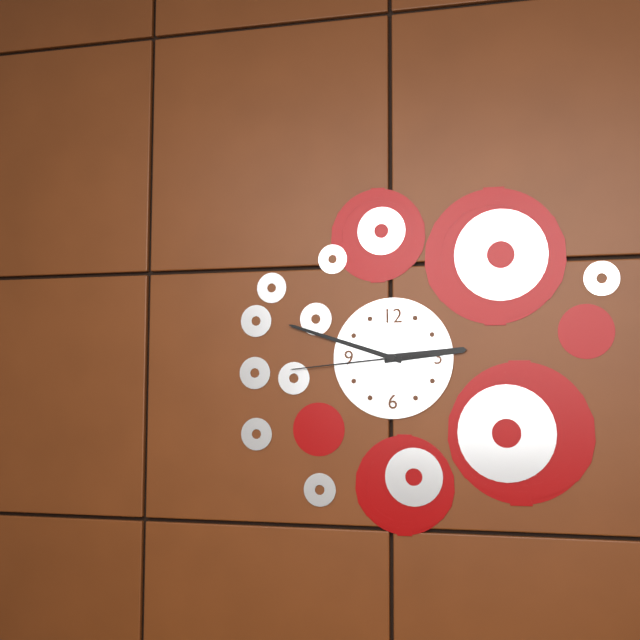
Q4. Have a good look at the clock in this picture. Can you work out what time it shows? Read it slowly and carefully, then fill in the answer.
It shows 2:48:44
